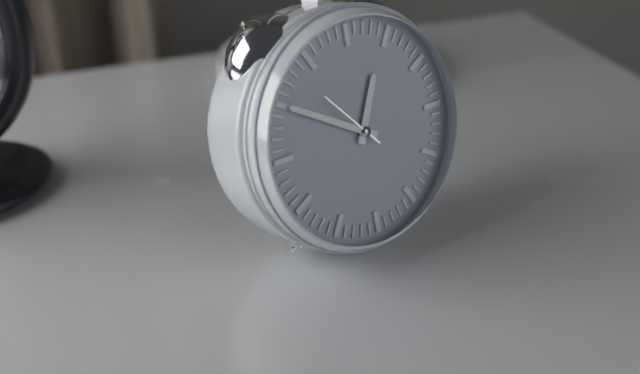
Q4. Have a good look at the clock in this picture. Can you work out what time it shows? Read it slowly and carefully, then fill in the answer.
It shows 12:50:53
